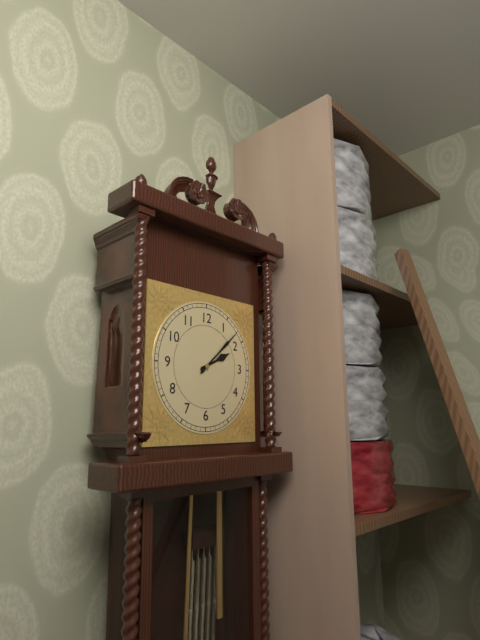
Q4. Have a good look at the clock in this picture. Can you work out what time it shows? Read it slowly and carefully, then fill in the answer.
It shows 2:08
